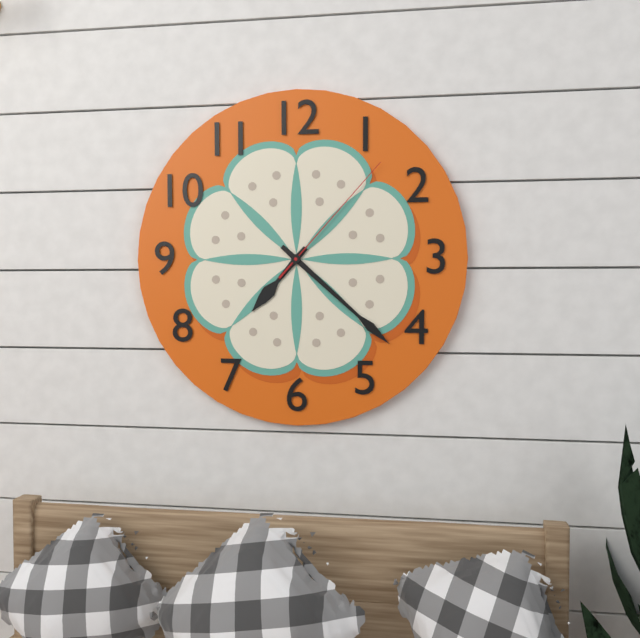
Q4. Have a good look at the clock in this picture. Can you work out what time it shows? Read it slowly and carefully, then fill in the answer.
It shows 7:22:07
